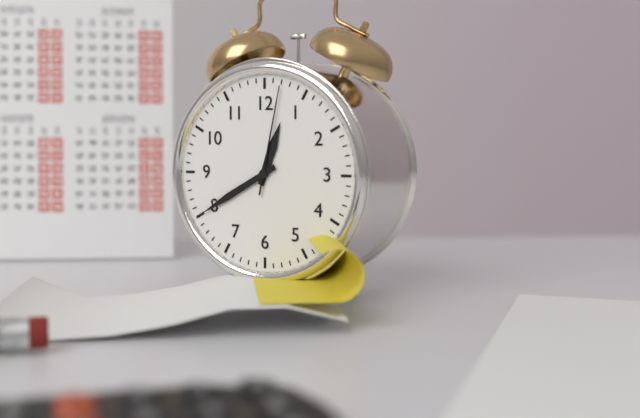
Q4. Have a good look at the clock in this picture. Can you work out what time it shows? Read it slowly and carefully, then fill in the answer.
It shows 12:40:02
